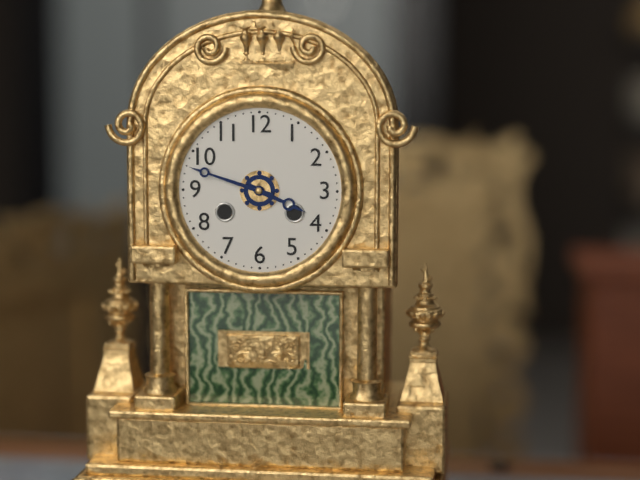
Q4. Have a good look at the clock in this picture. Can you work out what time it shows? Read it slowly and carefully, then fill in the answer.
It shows 3:48
